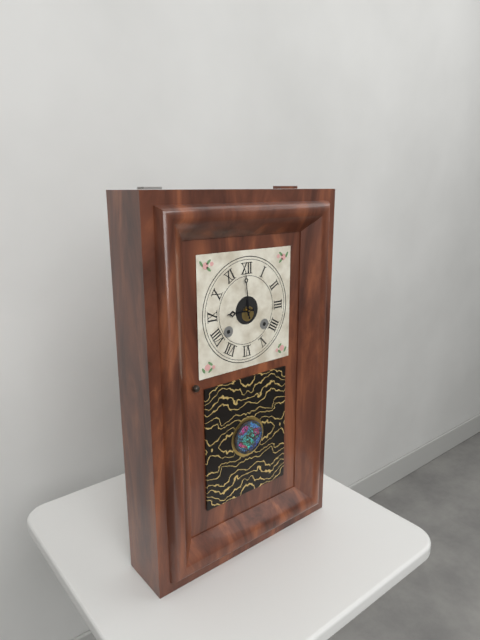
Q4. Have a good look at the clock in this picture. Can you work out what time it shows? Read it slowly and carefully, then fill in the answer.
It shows 8:59
